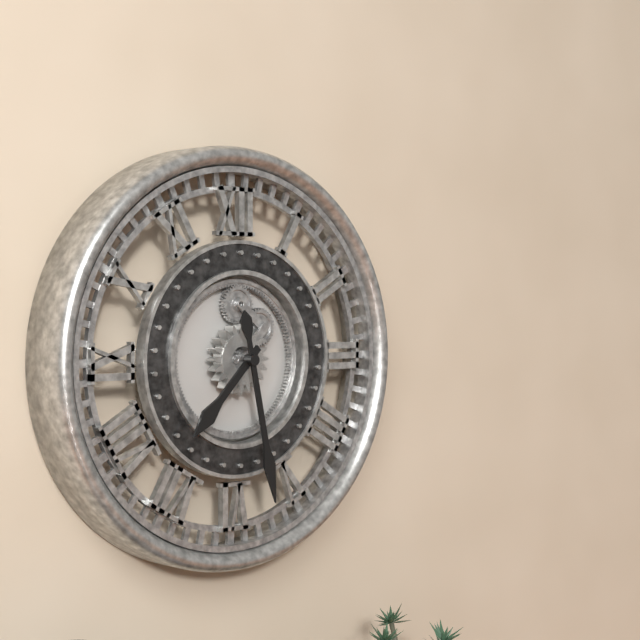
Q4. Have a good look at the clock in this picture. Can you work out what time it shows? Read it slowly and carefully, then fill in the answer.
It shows 7:28
